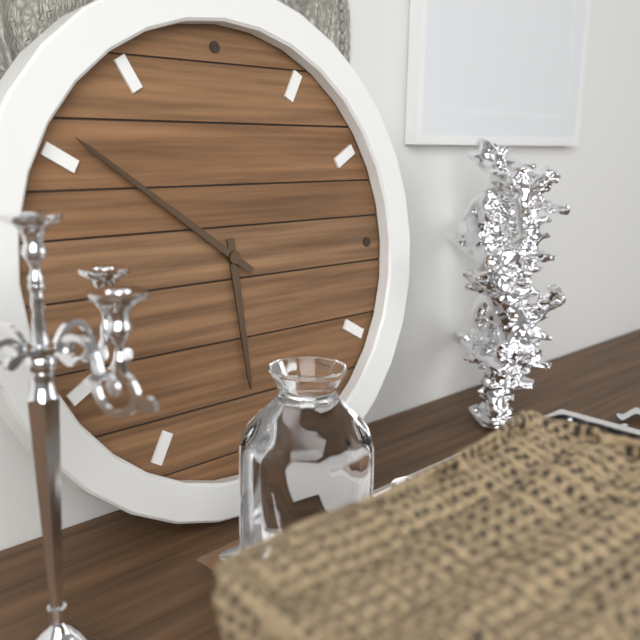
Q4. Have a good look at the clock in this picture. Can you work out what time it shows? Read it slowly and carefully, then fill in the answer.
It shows 5:51
